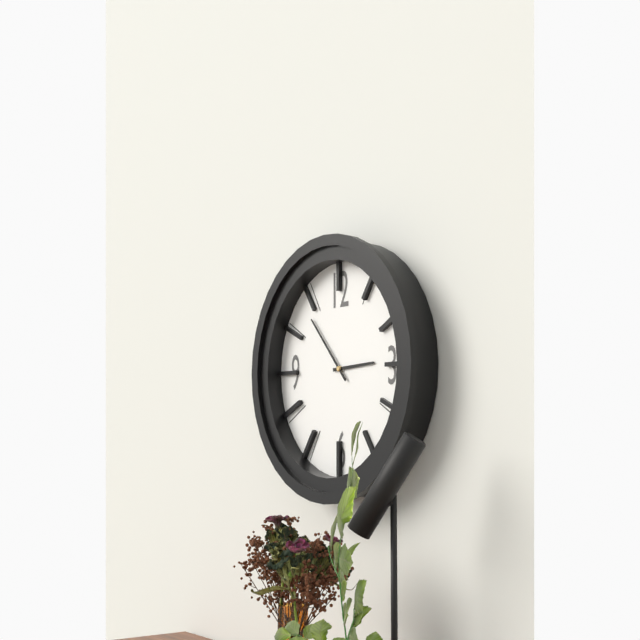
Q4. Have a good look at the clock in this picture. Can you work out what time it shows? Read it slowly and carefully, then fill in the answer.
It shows 2:53
